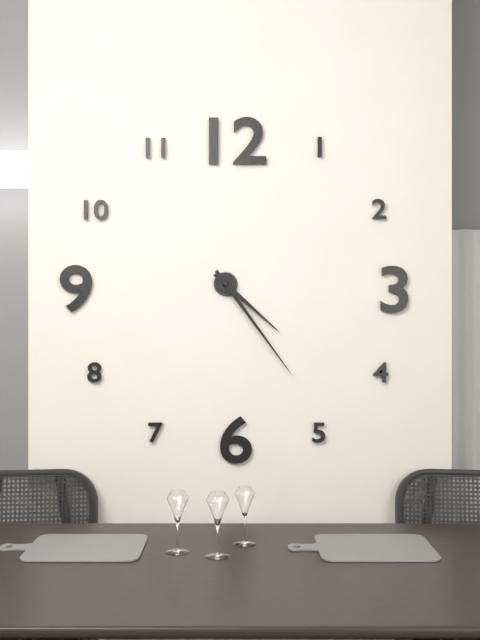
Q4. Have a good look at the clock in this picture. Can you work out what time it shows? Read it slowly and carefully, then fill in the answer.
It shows 4:24
